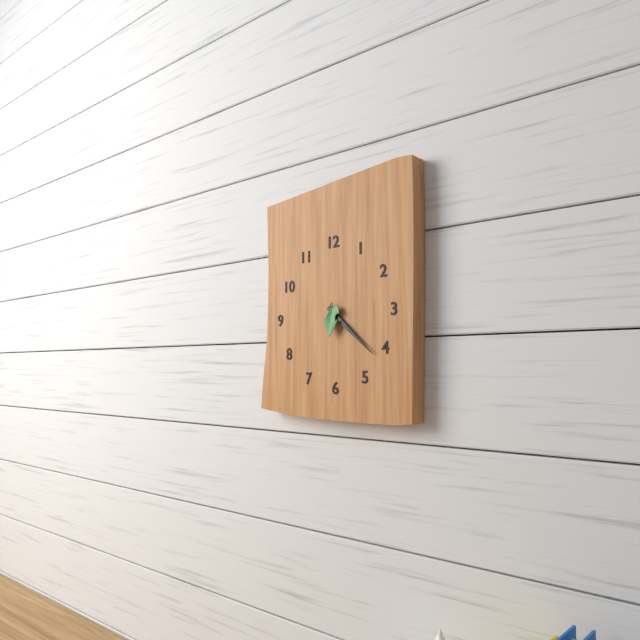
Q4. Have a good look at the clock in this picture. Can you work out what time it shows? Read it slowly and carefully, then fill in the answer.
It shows 4:22
